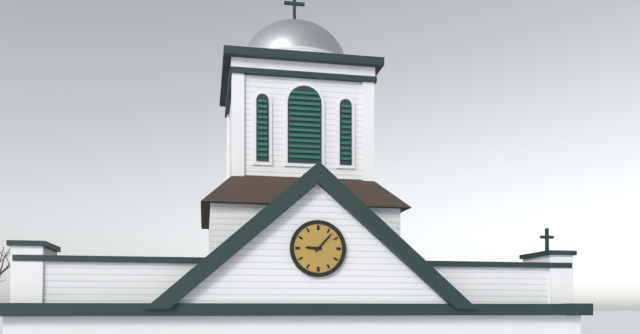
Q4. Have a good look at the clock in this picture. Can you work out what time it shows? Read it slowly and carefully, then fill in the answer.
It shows 9:07
